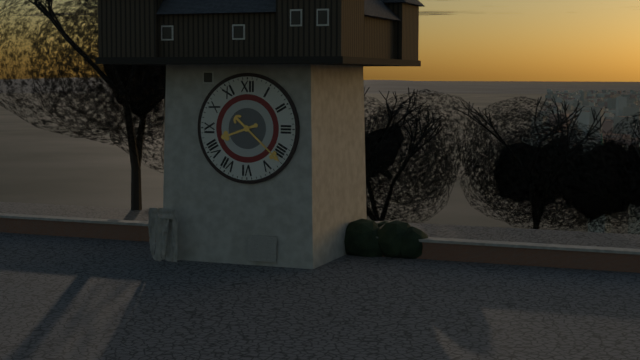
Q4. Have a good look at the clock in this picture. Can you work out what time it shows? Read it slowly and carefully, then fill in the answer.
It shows 8:22
